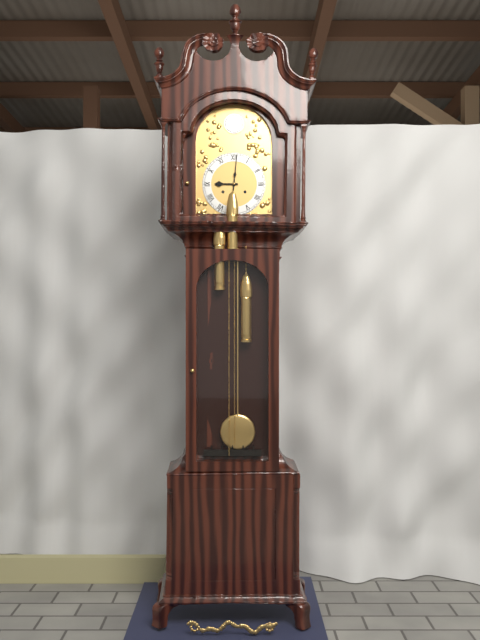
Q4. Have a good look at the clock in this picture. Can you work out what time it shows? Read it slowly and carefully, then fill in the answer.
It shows 9:01
